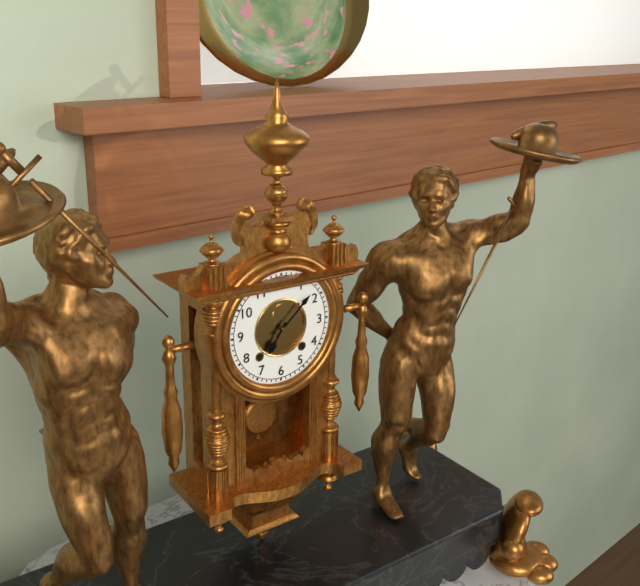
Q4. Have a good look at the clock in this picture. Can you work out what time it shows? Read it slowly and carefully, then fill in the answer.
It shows 7:08
